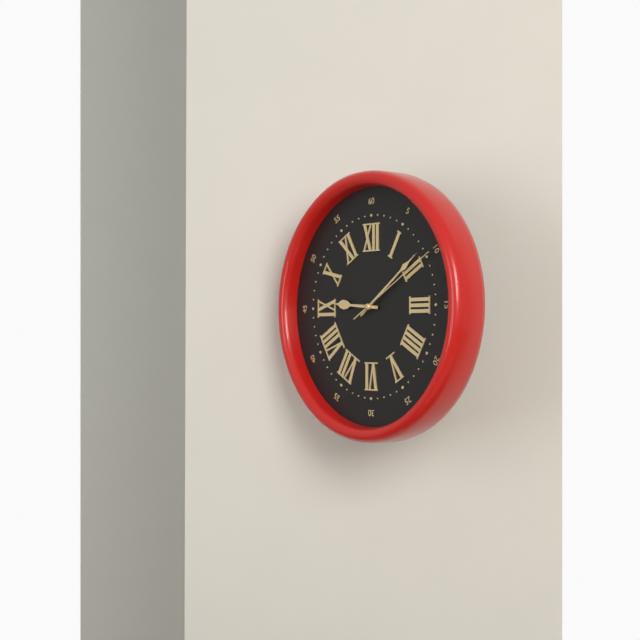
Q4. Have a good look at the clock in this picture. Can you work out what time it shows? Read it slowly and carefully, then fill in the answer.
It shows 9:09:10
